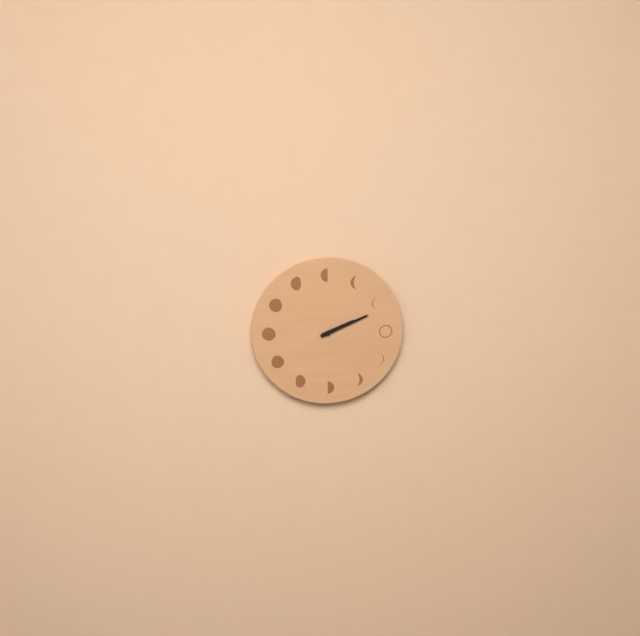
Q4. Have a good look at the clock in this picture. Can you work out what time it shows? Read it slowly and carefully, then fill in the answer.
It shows 2:11
